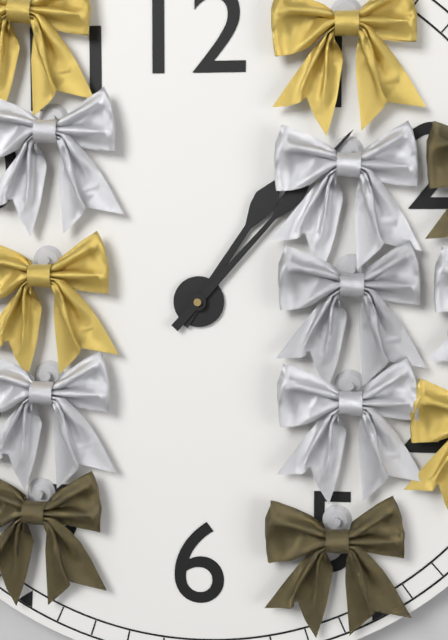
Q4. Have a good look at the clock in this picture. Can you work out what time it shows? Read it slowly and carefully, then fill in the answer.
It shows 1:07
